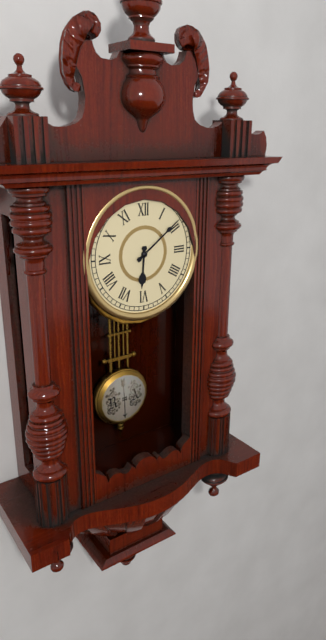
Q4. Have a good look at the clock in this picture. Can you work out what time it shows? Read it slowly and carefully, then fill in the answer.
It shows 6:09
